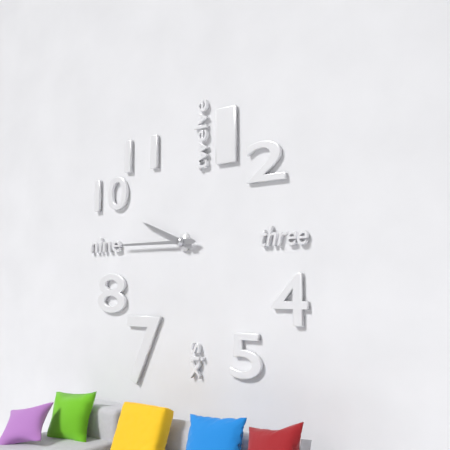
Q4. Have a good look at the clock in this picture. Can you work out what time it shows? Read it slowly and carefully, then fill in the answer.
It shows 9:45
